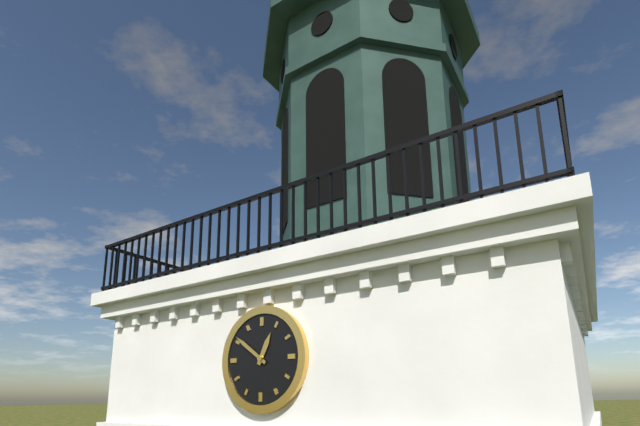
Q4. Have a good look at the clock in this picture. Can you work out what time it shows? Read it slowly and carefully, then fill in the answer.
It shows 12:51
